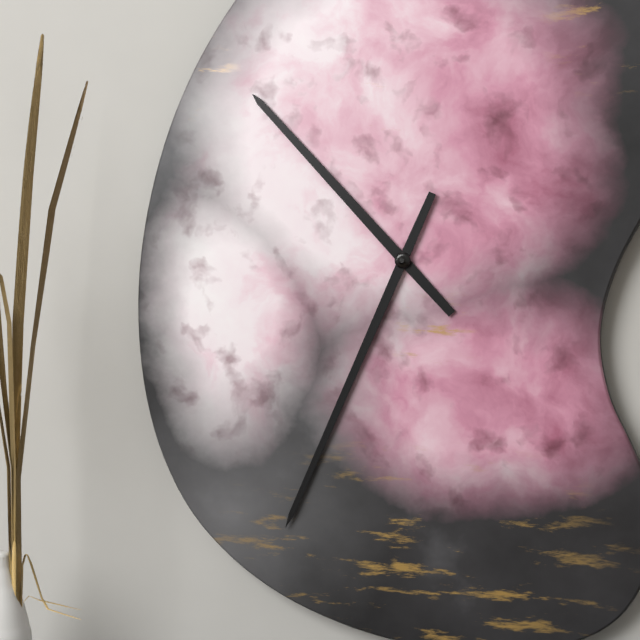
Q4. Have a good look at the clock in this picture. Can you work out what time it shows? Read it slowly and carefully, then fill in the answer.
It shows 10:34
